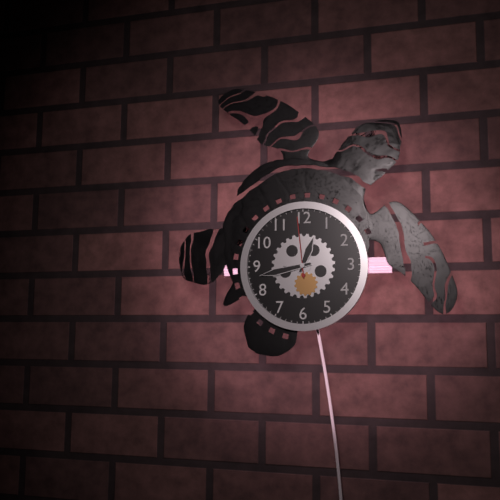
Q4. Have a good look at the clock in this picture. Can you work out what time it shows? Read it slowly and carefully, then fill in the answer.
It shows 12:43:59
